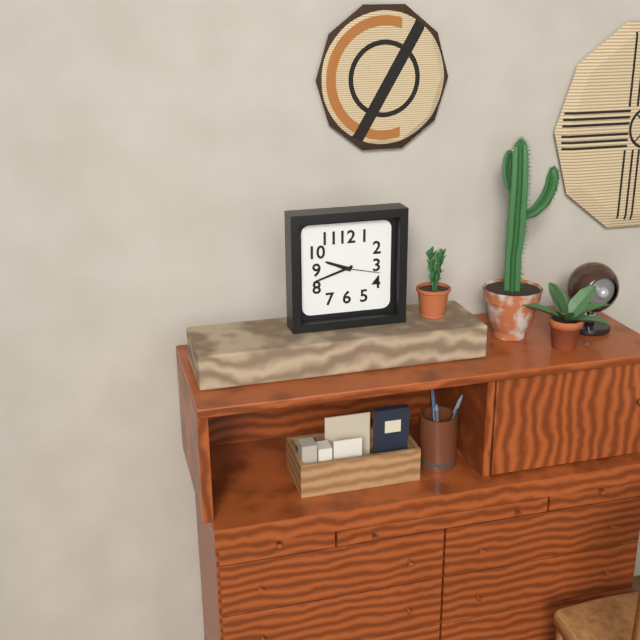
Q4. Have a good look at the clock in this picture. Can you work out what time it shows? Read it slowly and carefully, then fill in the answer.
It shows 9:42
